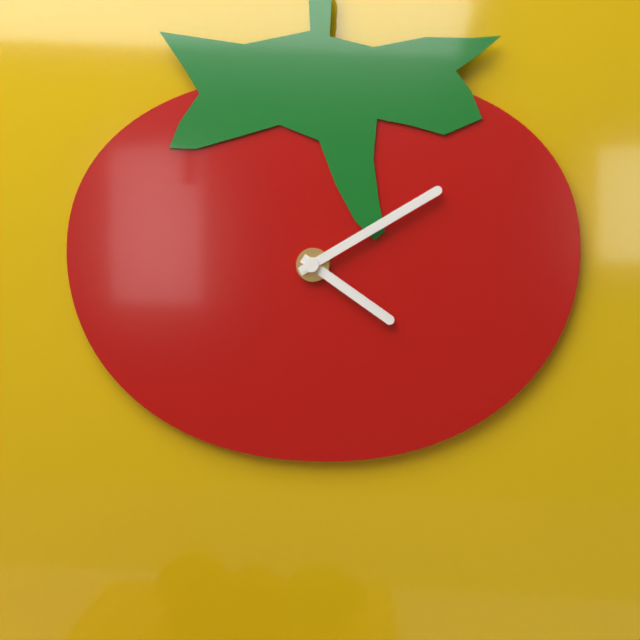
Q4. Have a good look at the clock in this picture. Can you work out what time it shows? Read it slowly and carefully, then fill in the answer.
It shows 4:10
